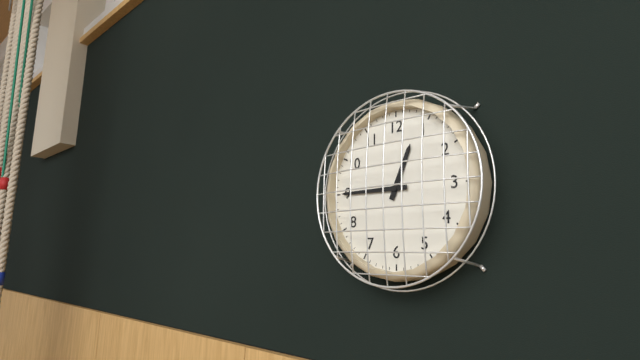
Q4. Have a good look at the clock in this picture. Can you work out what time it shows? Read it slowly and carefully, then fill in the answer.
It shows 12:45
